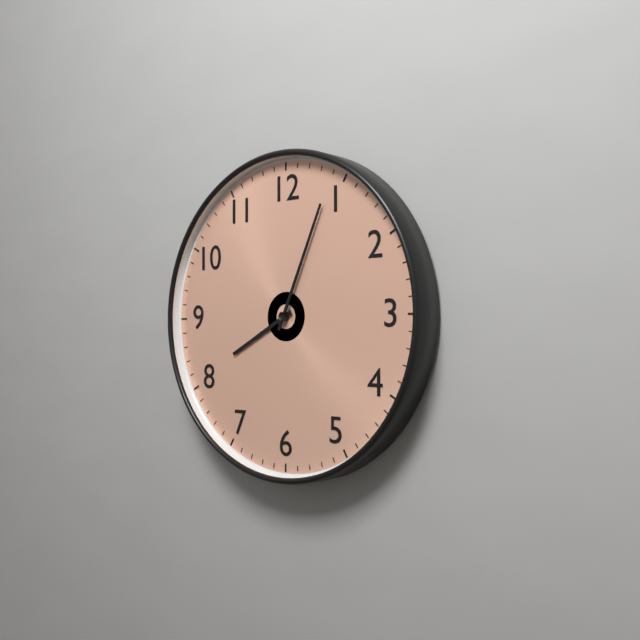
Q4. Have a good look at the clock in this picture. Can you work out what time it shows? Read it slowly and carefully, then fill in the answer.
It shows 8:04
